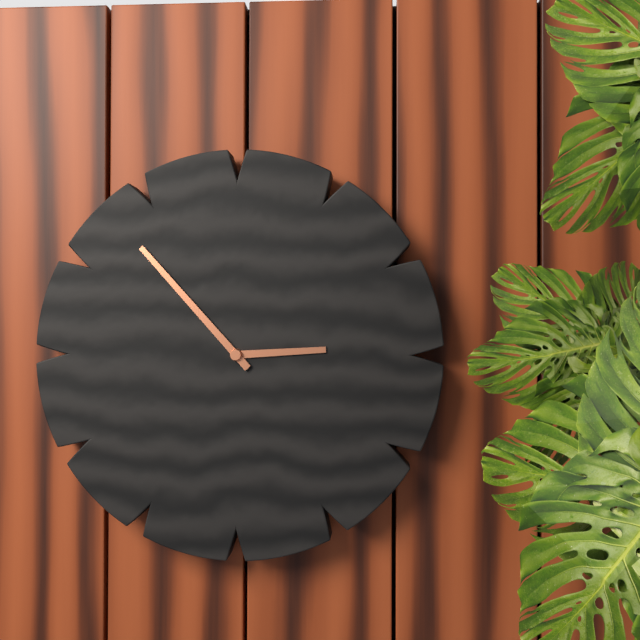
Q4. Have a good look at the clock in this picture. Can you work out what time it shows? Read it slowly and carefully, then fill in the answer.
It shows 2:53
